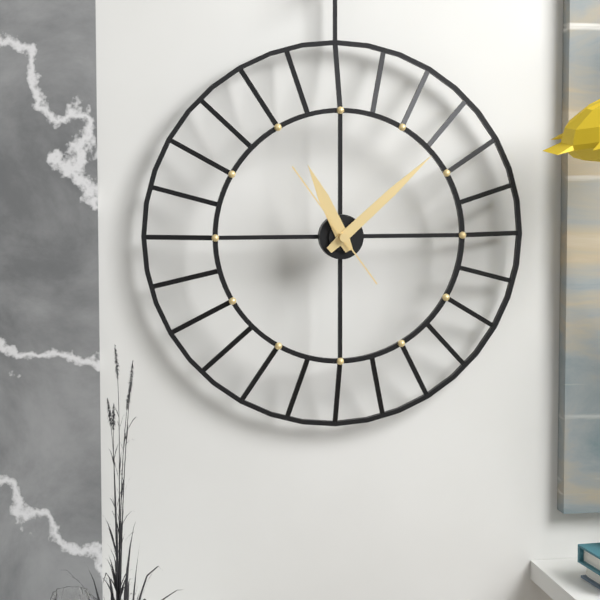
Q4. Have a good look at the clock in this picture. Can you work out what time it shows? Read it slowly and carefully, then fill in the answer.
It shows 11:08:54
